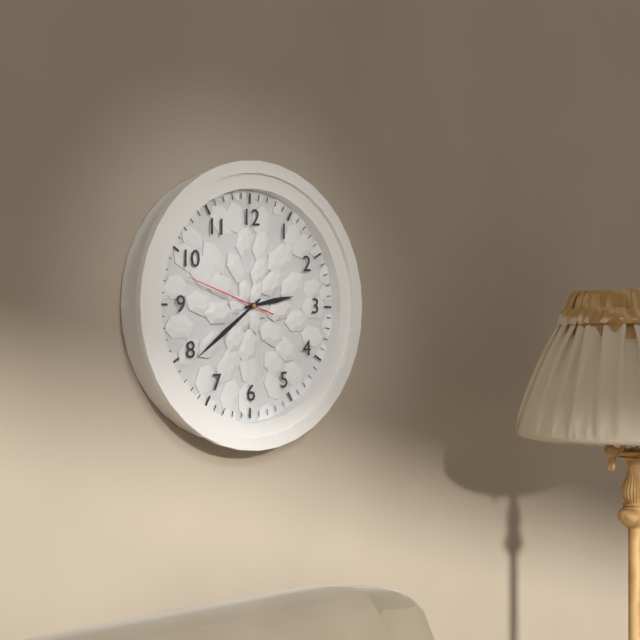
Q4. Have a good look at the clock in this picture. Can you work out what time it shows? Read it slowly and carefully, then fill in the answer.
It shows 2:39:48
